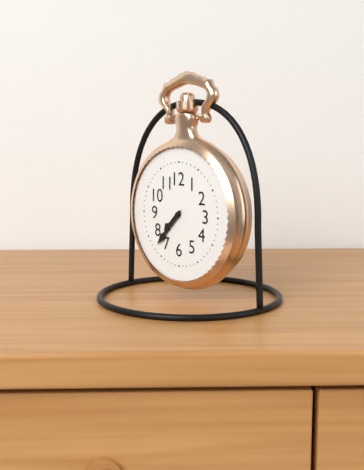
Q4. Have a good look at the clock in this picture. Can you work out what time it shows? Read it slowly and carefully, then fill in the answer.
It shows 7:37
